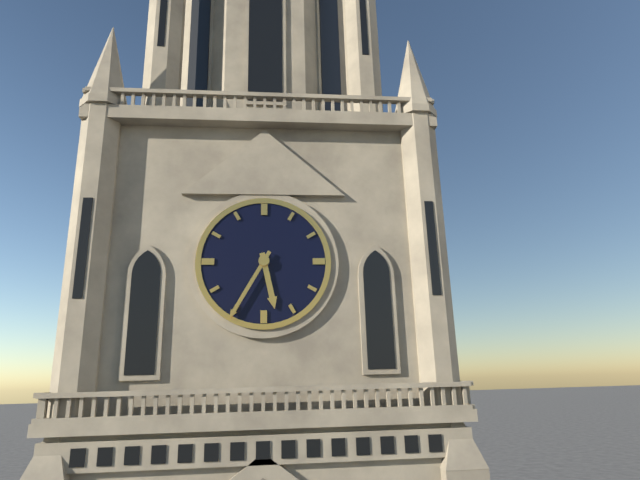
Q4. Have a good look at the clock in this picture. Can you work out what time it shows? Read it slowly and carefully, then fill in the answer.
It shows 5:35
